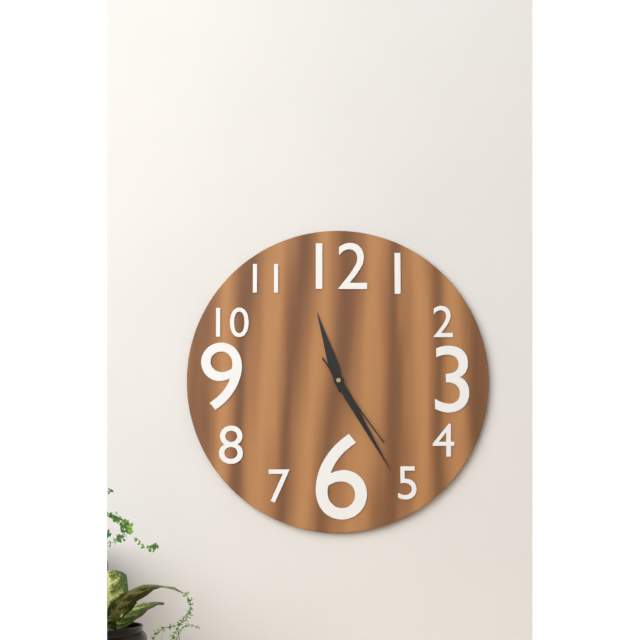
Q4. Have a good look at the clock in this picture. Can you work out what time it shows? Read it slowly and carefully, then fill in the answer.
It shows 11:25:24
